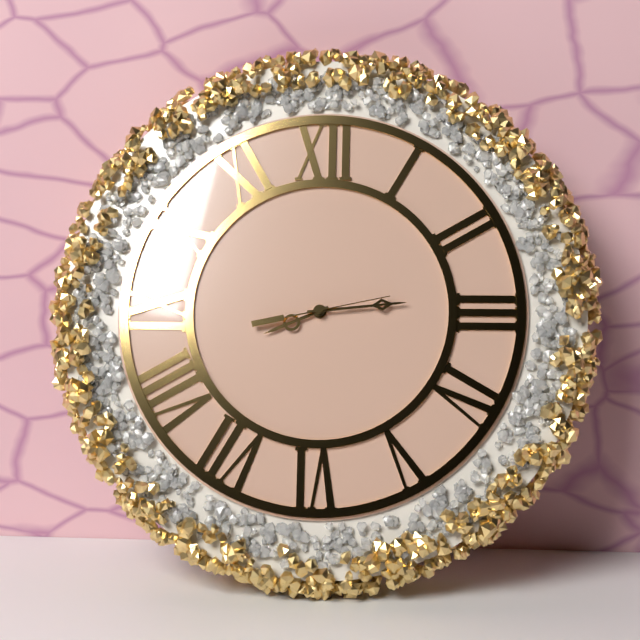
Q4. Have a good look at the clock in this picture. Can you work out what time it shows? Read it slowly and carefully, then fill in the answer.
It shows 8:14:13
